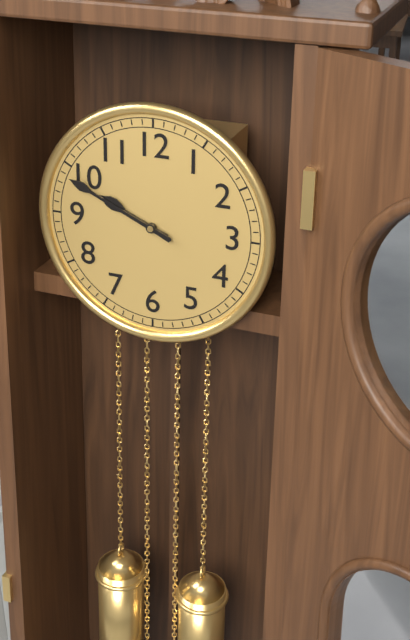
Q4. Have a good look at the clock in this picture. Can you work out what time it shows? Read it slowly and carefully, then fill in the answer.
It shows 9:49
